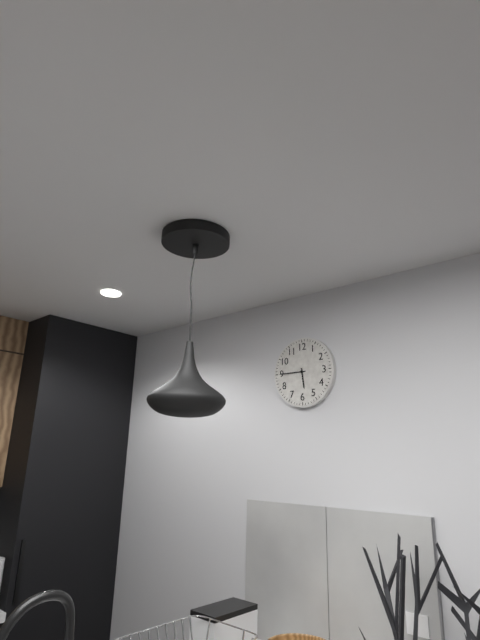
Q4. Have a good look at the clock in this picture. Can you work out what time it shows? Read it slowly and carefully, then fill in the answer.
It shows 5:45
